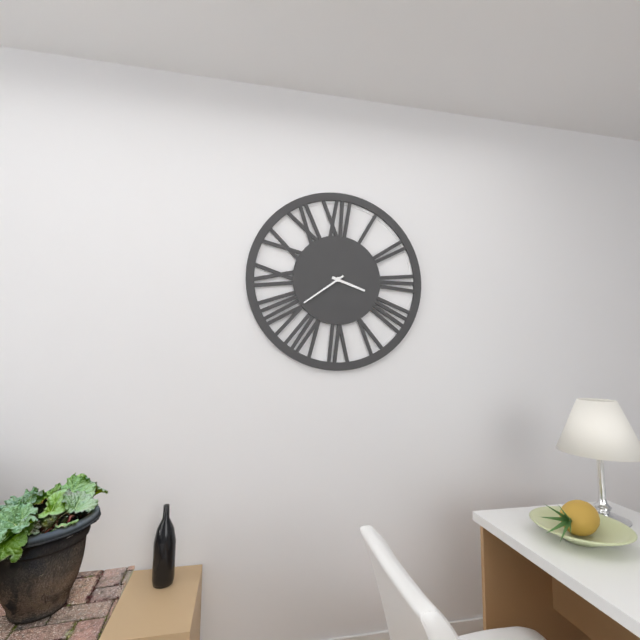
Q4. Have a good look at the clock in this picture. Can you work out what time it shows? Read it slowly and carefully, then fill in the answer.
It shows 3:39
